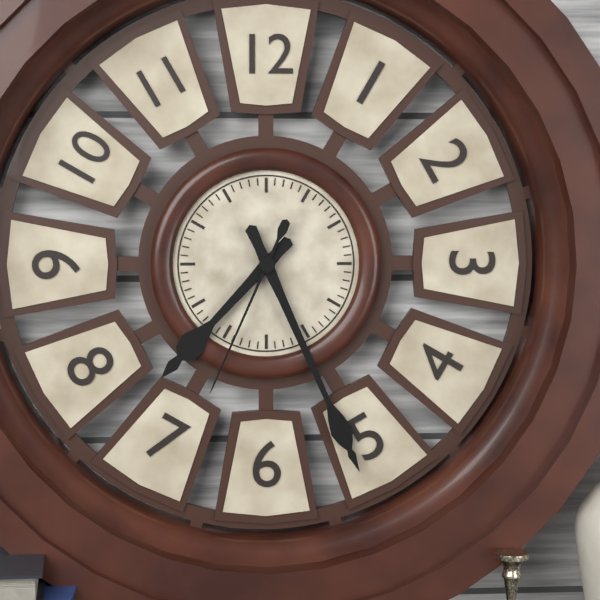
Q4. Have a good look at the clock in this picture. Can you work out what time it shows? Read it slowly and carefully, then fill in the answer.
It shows 7:26:34
